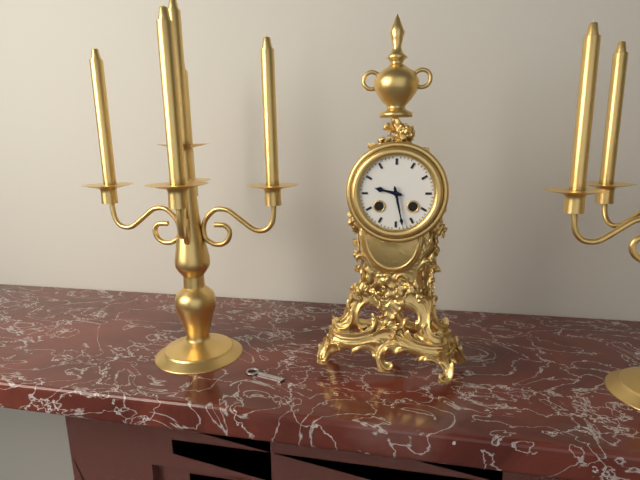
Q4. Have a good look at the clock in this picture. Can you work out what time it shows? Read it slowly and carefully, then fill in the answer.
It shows 9:28
